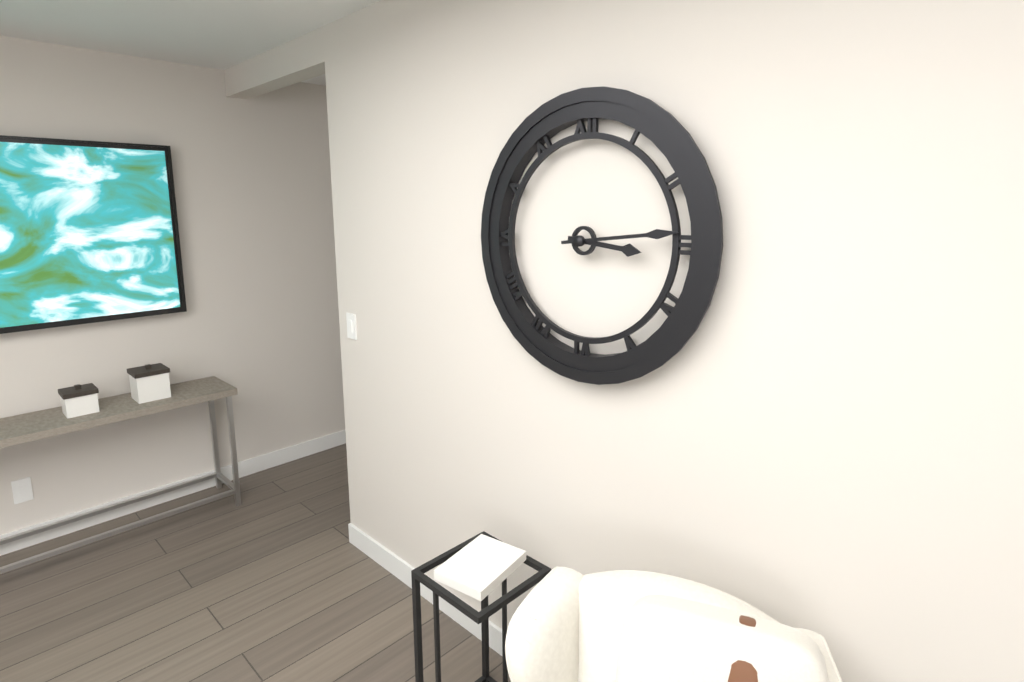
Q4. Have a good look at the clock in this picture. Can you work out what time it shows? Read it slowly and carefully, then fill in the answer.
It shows 3:14
